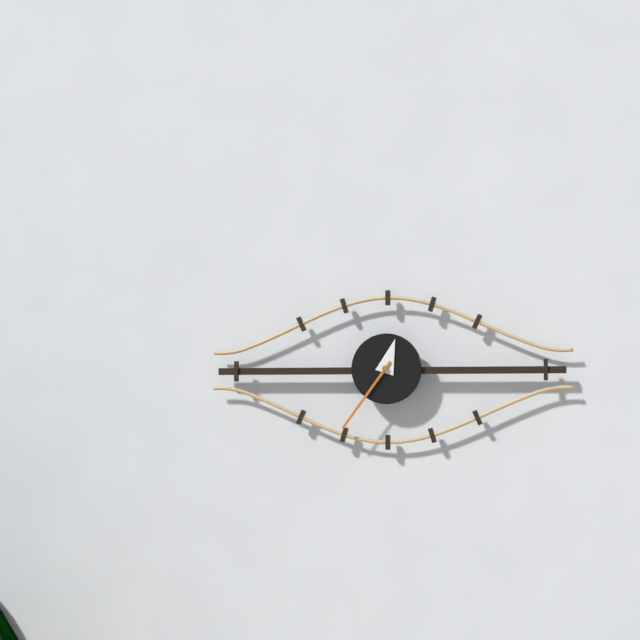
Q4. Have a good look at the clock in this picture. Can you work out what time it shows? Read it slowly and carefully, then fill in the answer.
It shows 12:36
